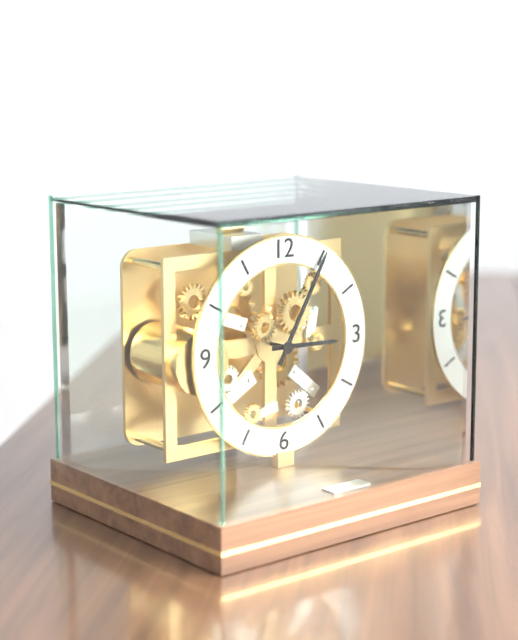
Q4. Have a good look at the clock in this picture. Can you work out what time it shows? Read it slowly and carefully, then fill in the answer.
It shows 3:05
